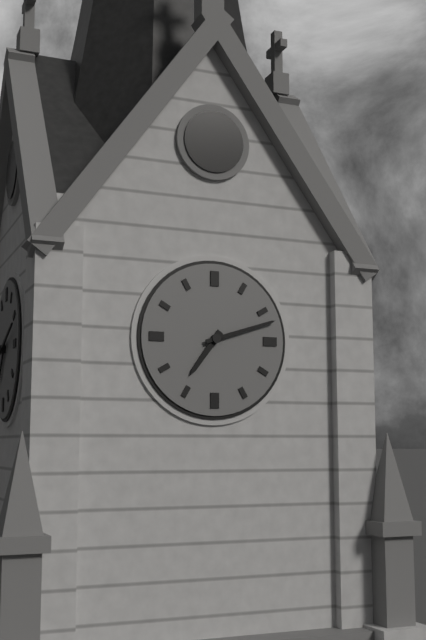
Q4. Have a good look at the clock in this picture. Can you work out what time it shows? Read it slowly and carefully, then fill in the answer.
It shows 7:12
